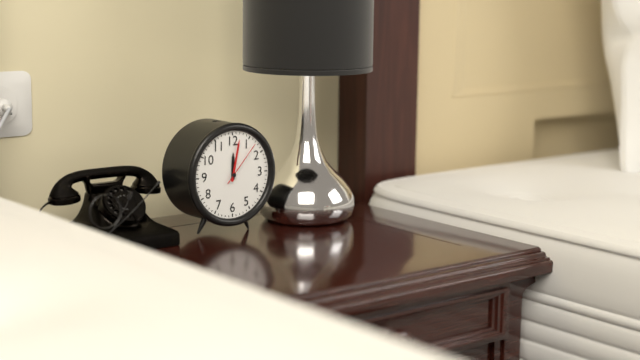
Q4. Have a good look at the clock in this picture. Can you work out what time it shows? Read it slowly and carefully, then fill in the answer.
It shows 12:02
